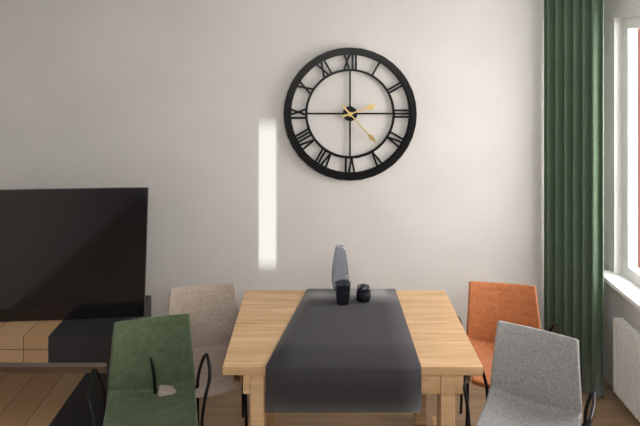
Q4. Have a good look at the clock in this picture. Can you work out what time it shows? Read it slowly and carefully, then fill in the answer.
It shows 2:23
